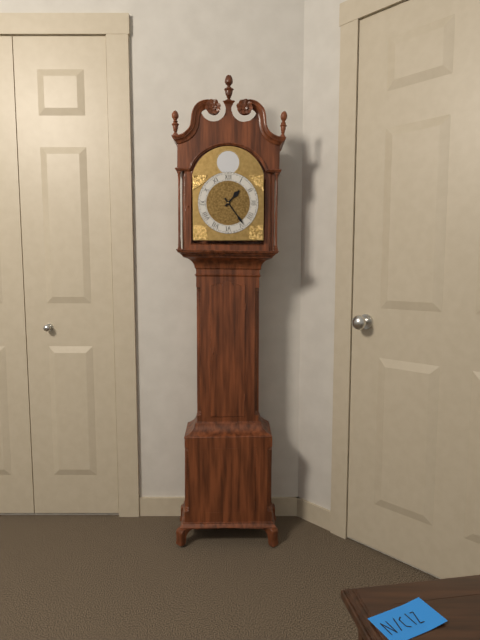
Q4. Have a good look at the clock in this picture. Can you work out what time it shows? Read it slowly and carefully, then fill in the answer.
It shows 1:24
